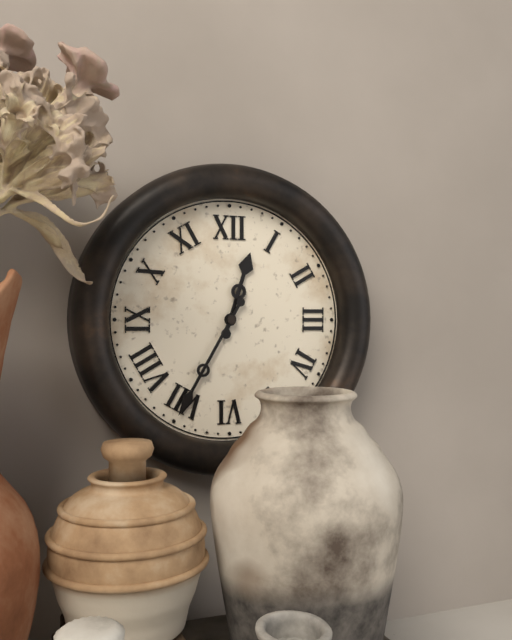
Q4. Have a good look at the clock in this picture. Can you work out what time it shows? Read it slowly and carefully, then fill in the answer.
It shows 12:35
